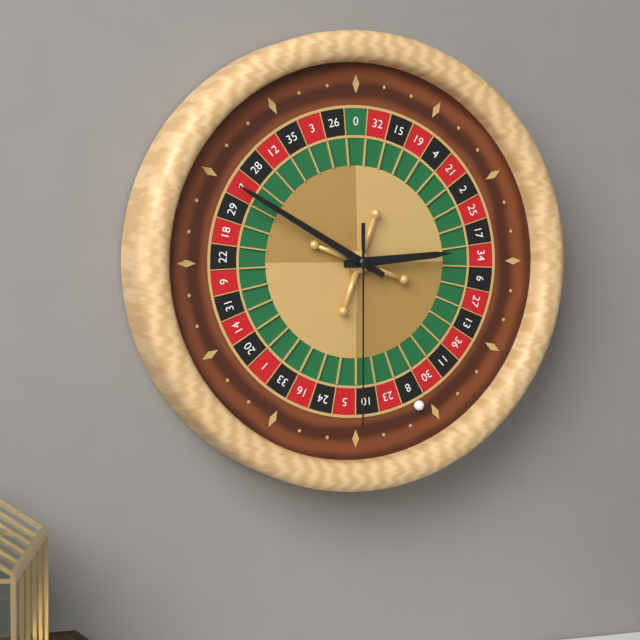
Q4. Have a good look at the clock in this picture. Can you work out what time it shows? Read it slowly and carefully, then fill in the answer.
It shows 2:50:30
